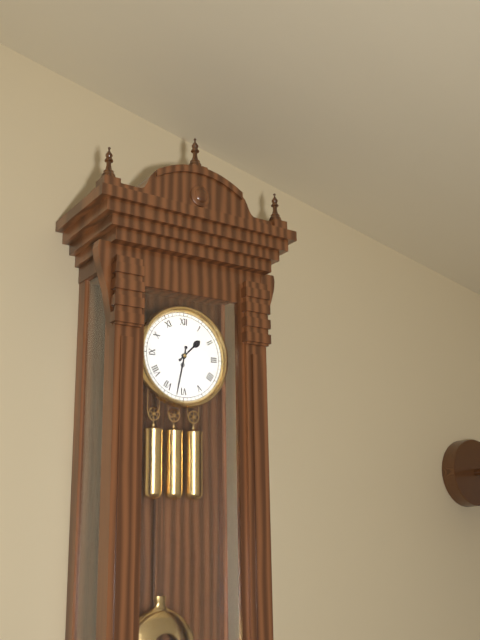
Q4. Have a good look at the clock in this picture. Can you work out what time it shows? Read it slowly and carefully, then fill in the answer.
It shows 1:32
